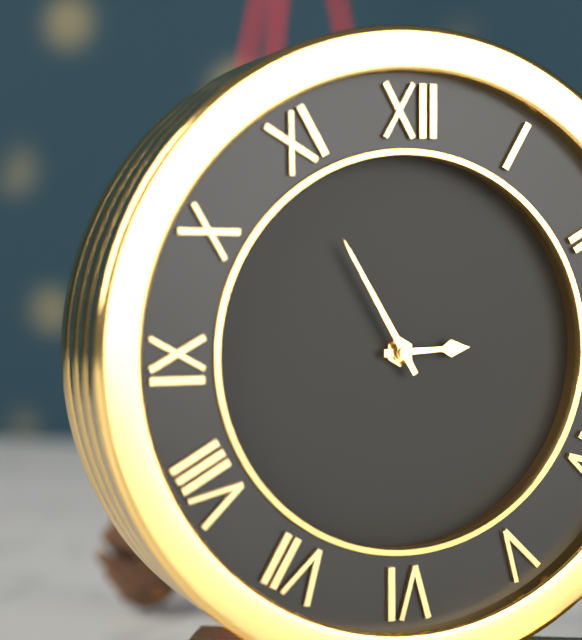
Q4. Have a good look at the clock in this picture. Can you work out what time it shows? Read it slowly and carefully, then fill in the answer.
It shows 2:55
